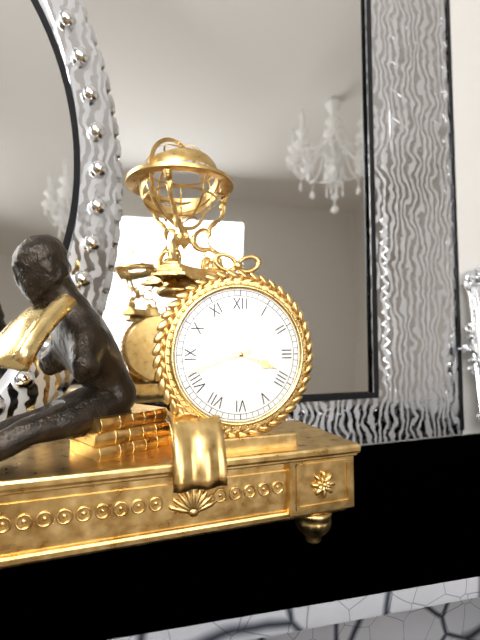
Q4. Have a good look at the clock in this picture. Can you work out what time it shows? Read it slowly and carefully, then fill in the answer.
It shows 3:42
